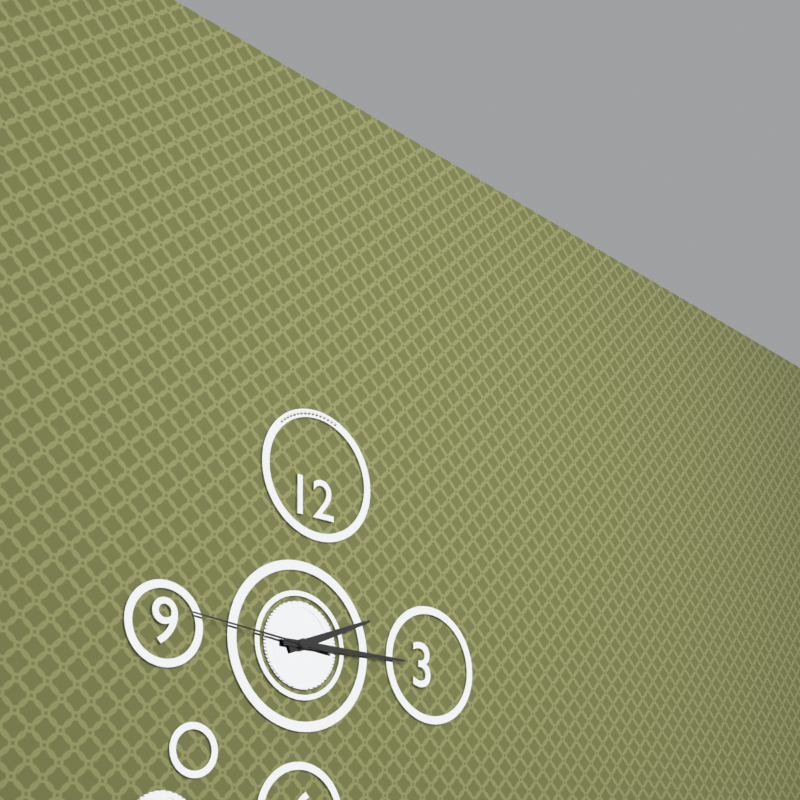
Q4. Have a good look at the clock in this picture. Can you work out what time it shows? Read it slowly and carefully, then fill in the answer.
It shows 2:15:46
